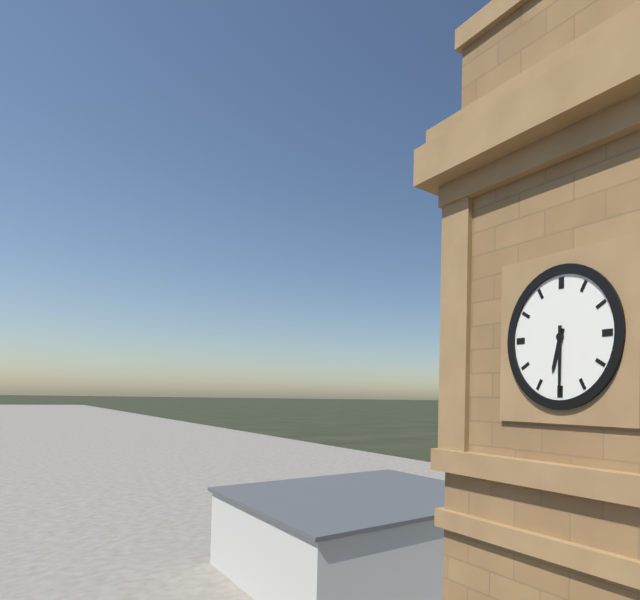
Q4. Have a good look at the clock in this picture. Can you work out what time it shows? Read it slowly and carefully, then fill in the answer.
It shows 6:30
